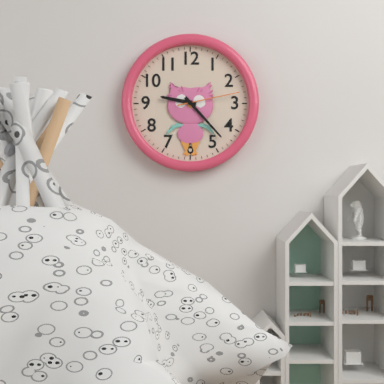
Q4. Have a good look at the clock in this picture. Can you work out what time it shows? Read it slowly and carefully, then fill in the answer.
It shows 9:23:13
